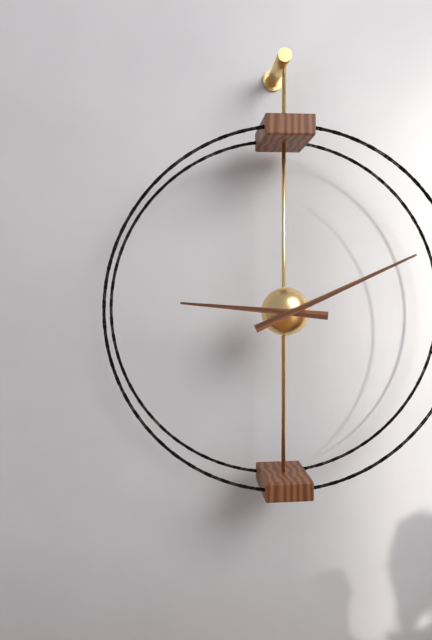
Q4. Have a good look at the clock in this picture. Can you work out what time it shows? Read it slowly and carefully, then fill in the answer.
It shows 9:11
